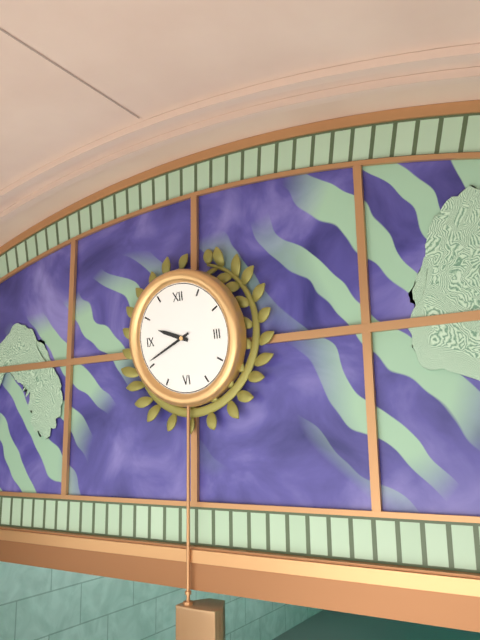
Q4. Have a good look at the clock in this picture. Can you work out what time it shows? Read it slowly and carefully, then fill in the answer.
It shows 9:41
